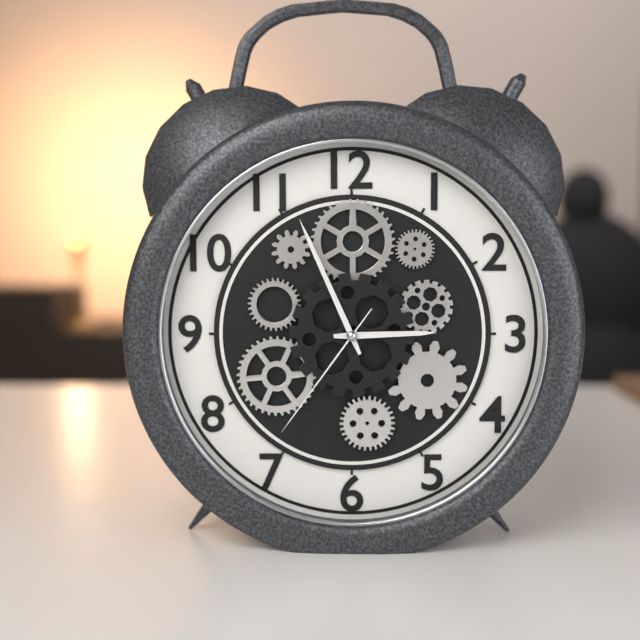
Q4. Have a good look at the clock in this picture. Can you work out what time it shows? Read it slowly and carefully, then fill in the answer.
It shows 2:56:36
